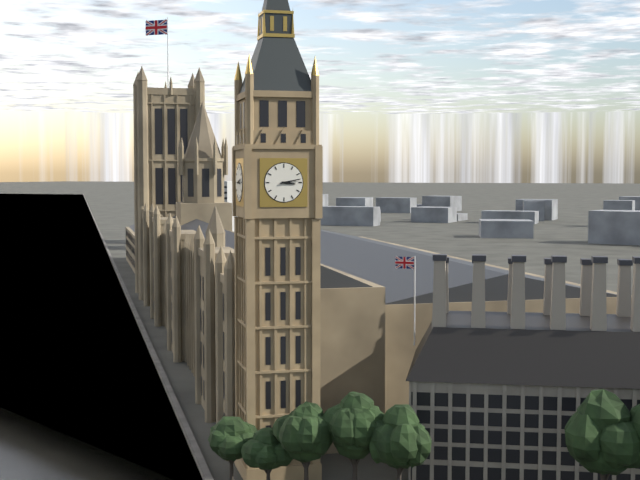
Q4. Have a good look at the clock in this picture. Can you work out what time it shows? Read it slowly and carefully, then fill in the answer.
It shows 3:13
